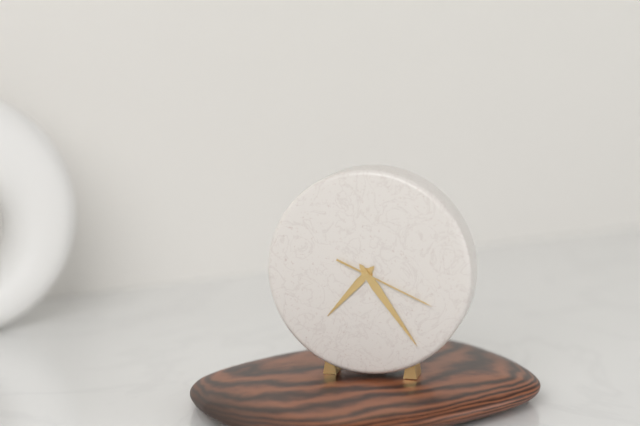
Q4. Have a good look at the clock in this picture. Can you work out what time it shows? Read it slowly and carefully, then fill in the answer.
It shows 7:24:19
